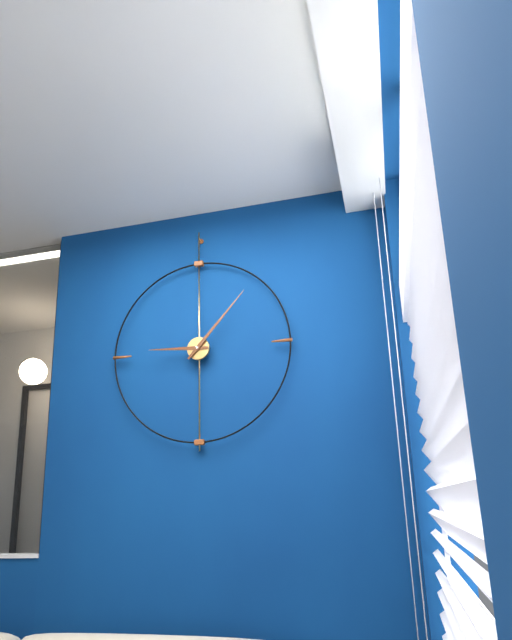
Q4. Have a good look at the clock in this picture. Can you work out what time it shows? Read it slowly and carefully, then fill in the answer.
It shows 9:07
